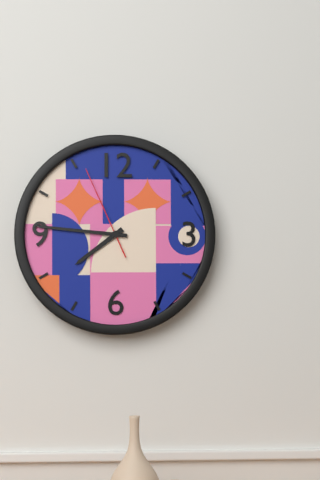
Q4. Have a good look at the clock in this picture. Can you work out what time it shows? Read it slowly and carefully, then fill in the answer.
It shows 7:46:56
